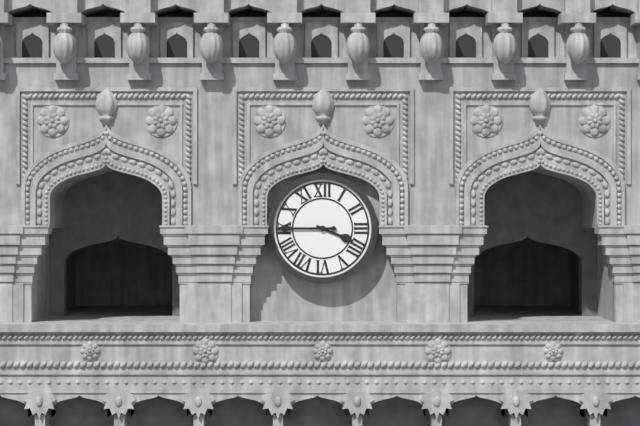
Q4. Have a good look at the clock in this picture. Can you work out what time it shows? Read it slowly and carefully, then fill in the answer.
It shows 3:45
